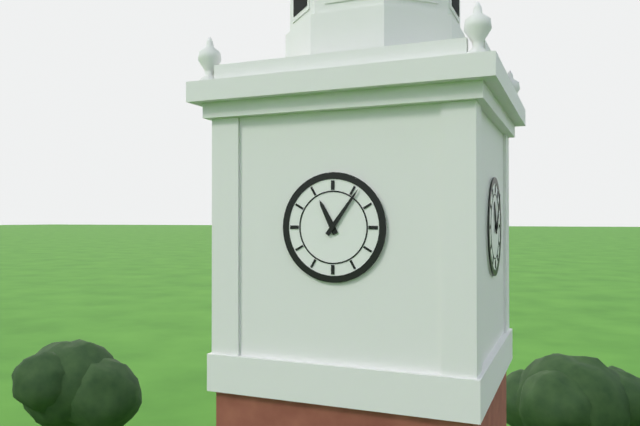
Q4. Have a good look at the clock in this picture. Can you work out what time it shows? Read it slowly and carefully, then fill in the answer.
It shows 11:06
